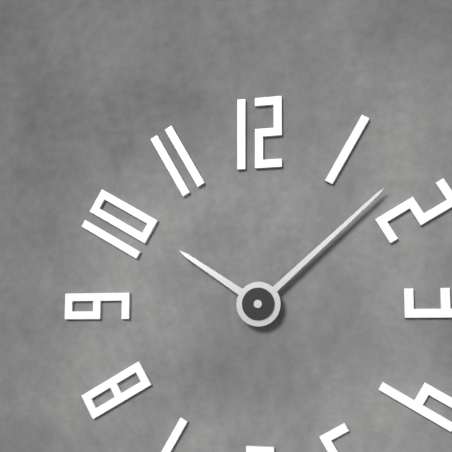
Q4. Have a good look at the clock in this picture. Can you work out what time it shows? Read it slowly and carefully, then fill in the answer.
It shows 10:08
